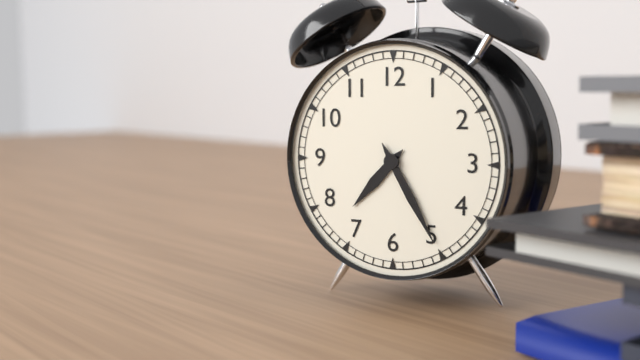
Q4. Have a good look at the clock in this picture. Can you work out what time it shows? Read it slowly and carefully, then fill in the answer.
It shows 7:25
